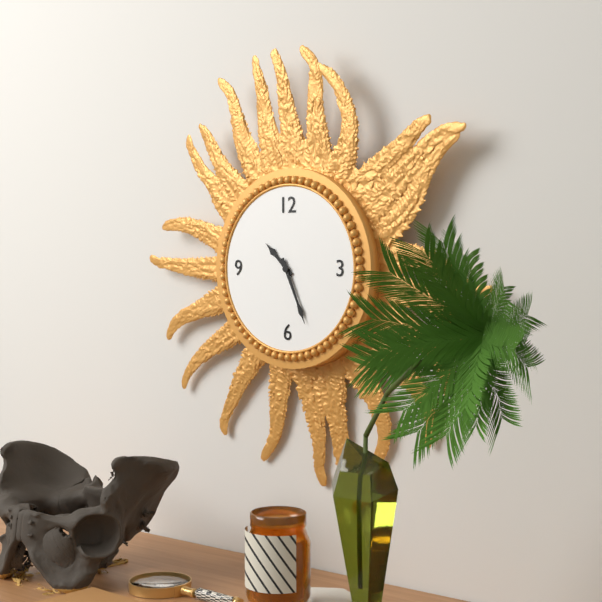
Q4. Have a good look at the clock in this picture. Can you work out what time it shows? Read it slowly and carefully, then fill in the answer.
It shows 10:26
